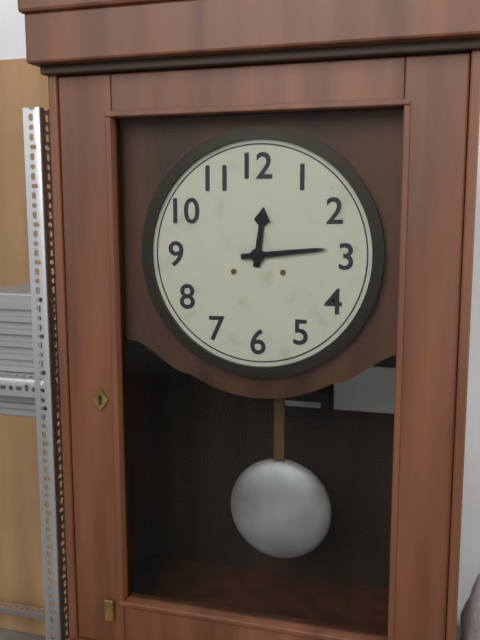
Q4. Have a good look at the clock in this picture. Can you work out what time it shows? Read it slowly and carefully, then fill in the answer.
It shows 12:14
